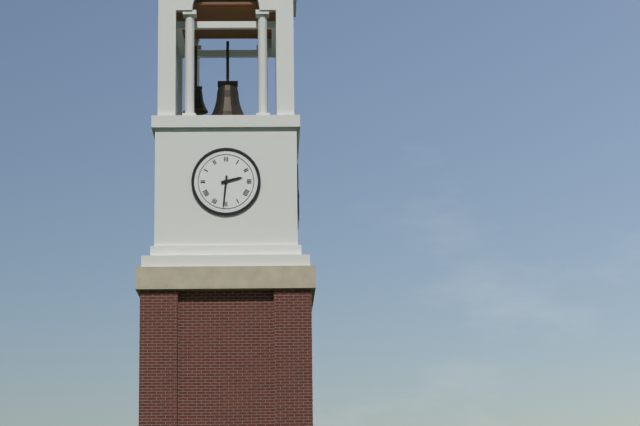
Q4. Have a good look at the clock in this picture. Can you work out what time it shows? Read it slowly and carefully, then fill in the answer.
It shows 2:31
